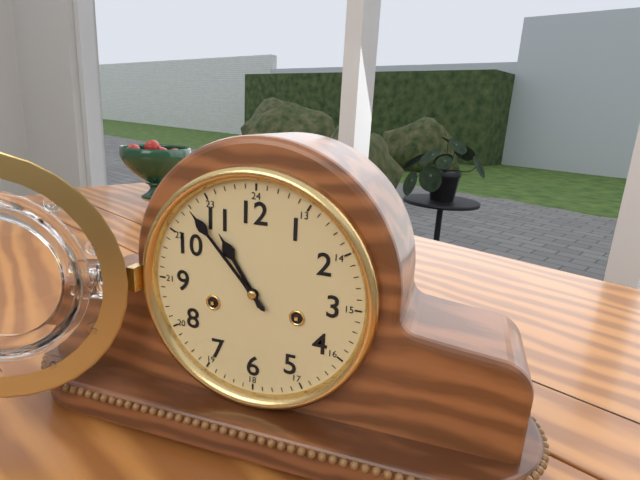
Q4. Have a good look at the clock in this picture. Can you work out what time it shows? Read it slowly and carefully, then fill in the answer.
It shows 10:53
